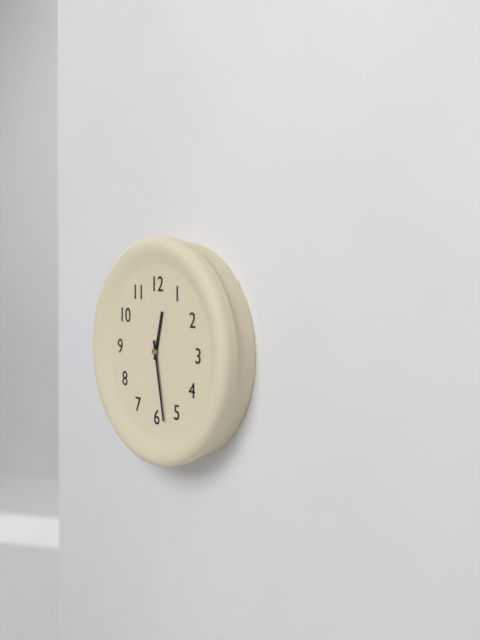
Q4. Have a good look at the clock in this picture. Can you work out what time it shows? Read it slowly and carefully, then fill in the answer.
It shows 12:28
